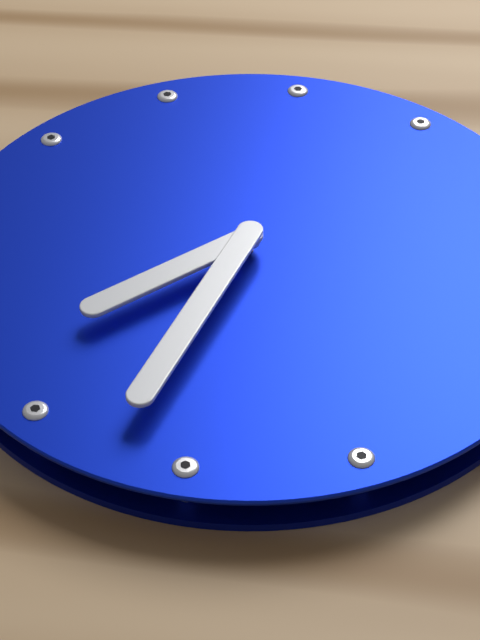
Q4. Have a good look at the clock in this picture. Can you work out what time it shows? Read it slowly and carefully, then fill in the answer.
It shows 6:27
